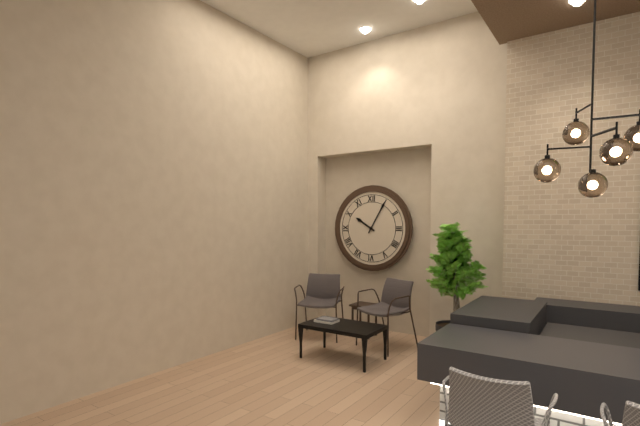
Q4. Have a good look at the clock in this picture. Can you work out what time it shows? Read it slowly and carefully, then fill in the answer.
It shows 10:05
